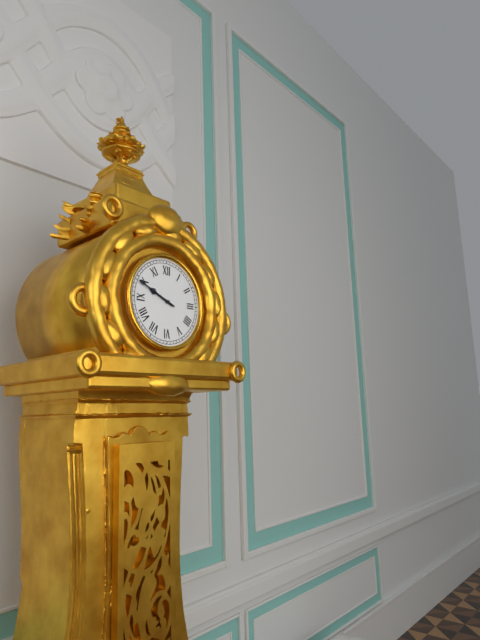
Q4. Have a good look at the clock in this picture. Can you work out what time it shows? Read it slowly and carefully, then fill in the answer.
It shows 9:49
